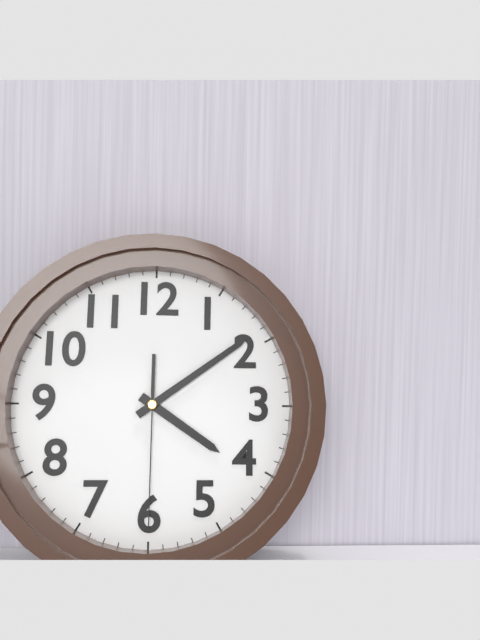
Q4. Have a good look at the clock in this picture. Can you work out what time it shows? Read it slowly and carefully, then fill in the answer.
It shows 4:09:30
